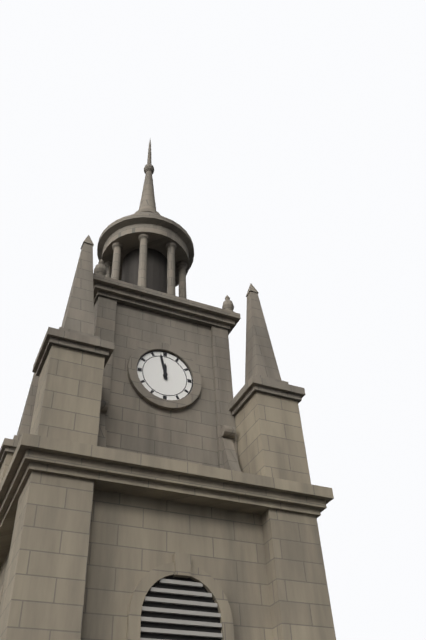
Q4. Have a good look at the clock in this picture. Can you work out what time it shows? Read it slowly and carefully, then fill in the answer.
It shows 11:58
